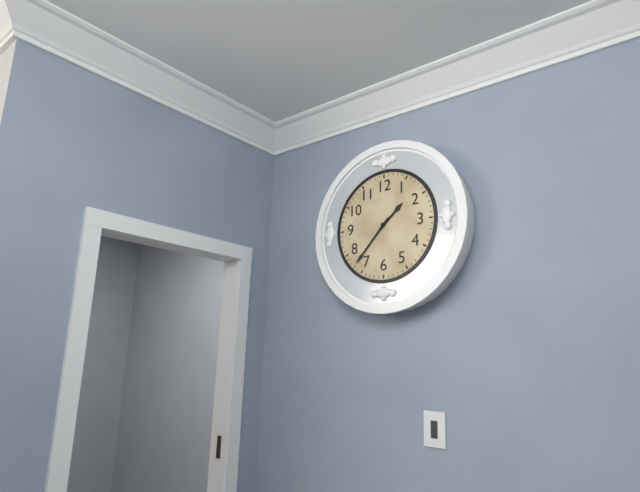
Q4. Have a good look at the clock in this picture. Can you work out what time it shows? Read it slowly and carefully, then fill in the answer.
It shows 1:37
